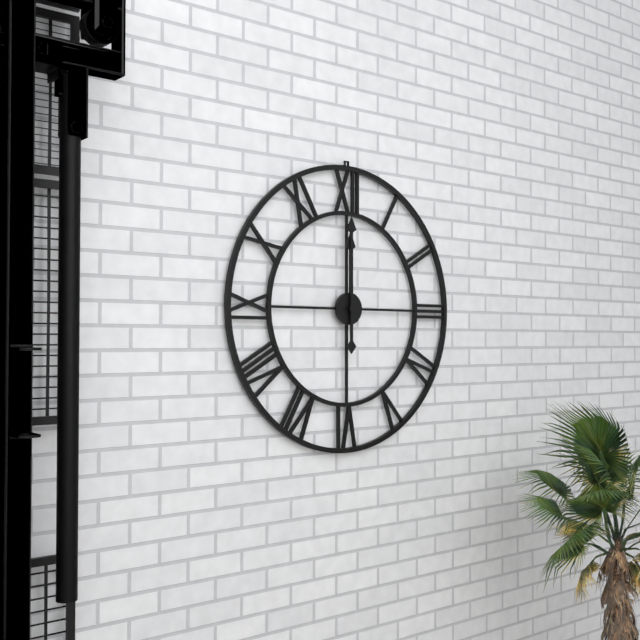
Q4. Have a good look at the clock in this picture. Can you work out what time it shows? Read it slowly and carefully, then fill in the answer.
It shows 12:00
